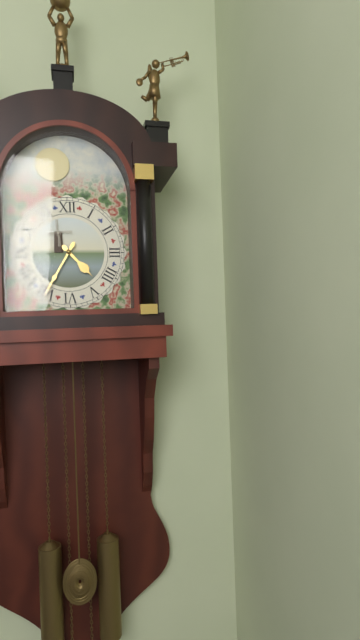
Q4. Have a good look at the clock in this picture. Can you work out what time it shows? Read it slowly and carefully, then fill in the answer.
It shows 4:35
